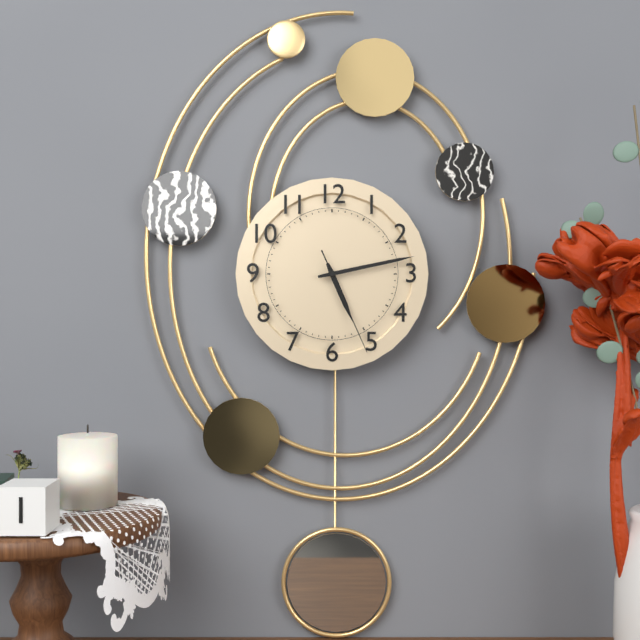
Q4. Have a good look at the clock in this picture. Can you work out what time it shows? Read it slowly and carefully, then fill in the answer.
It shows 5:13:26
